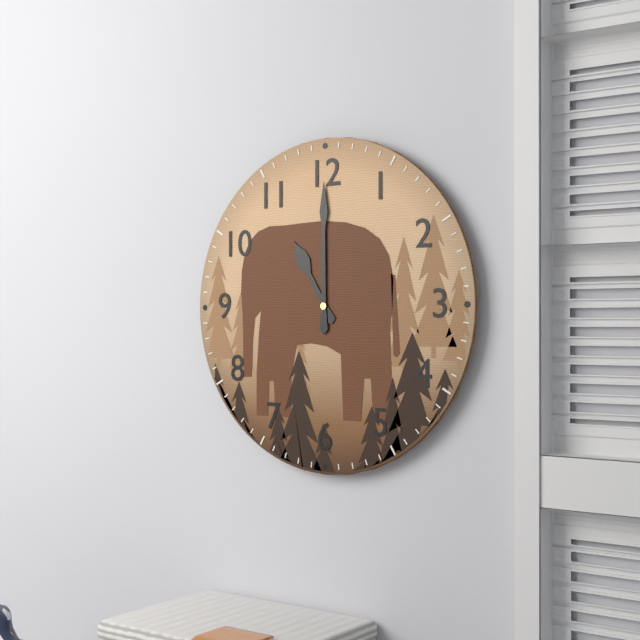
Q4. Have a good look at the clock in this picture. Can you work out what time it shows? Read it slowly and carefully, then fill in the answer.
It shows 11:00
